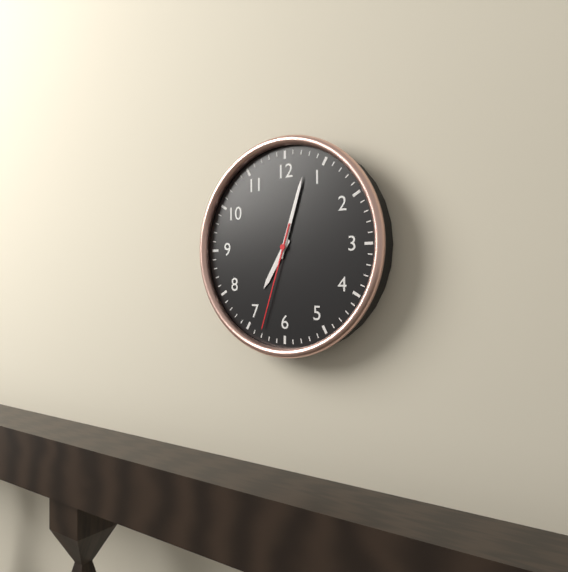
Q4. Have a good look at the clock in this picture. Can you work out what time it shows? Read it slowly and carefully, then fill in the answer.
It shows 7:03:33
